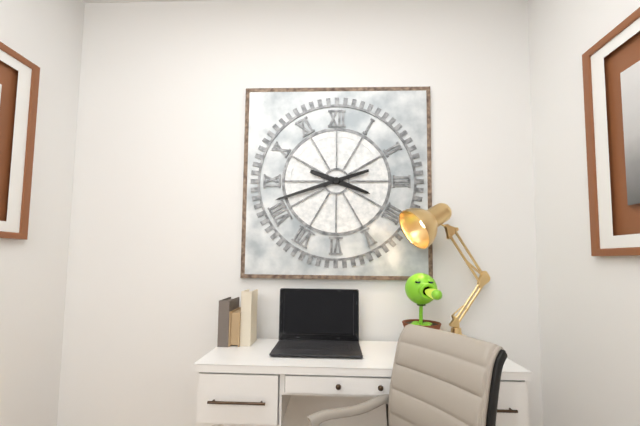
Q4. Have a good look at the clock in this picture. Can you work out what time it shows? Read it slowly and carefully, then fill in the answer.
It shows 3:42
